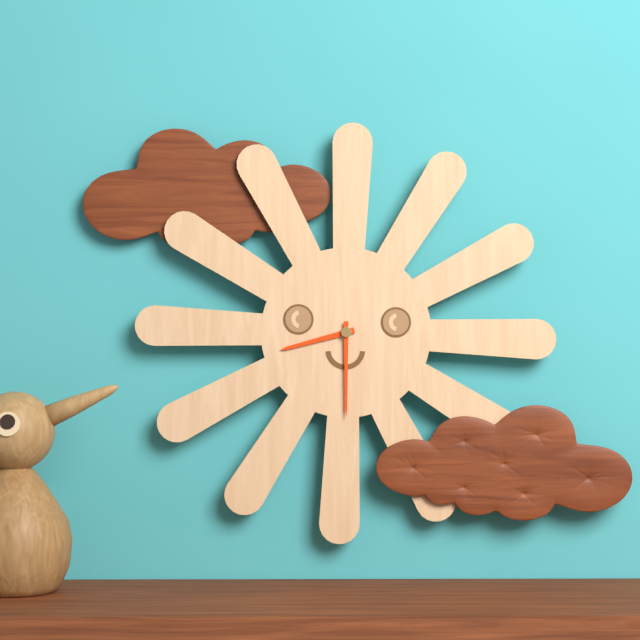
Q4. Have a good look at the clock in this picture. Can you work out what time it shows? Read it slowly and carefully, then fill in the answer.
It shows 8:30
